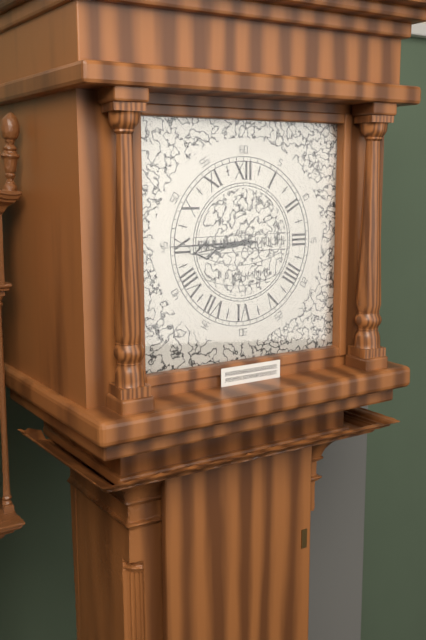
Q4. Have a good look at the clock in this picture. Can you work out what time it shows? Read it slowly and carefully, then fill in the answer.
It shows 8:45
